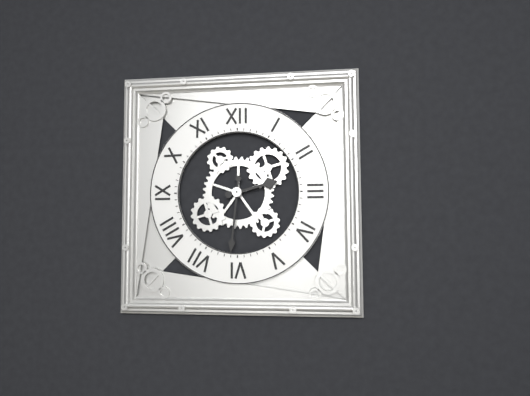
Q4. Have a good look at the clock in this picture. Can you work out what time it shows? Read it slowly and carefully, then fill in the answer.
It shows 2:31
